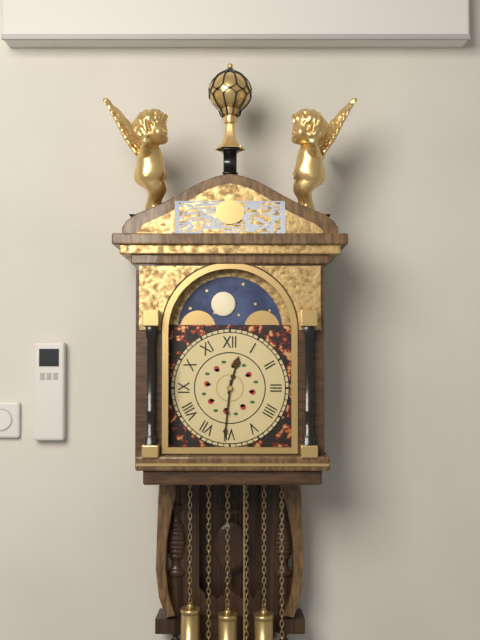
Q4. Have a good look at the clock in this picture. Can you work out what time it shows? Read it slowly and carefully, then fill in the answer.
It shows 12:31
